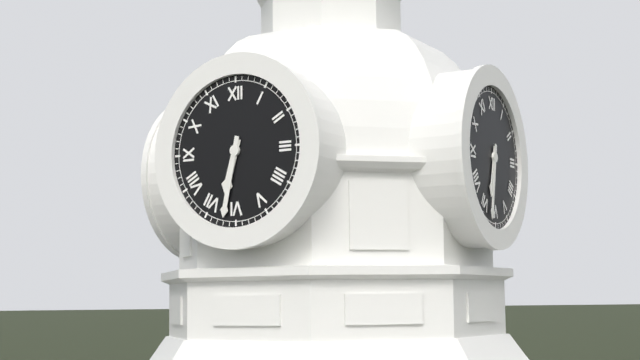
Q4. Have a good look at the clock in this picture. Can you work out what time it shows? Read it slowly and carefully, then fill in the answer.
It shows 6:32
